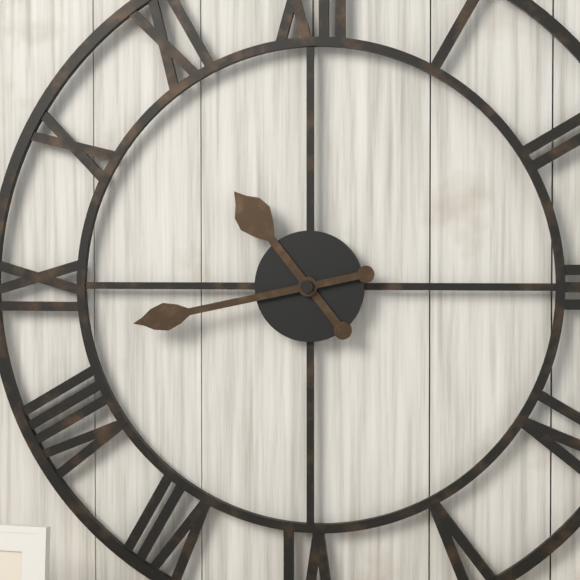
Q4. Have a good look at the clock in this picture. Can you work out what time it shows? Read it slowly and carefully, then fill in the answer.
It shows 10:43
